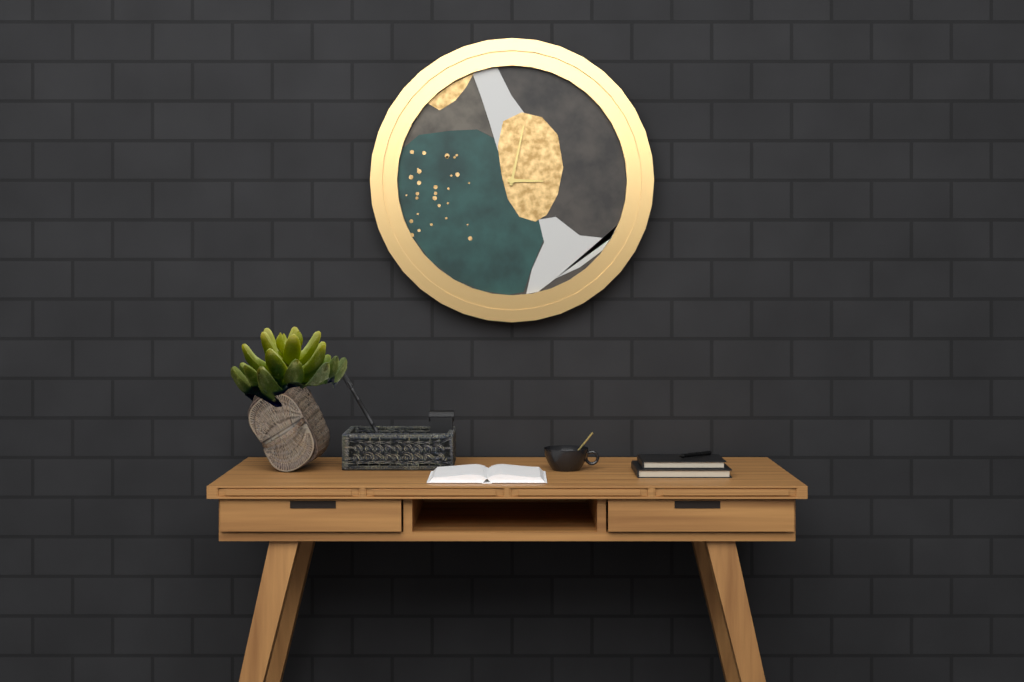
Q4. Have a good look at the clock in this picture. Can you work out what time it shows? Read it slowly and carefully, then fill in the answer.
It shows 3:02
